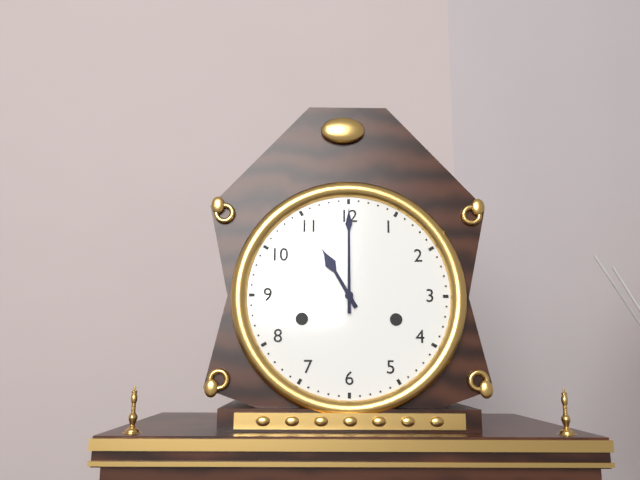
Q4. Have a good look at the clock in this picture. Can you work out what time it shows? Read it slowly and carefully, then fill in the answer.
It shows 11:00
